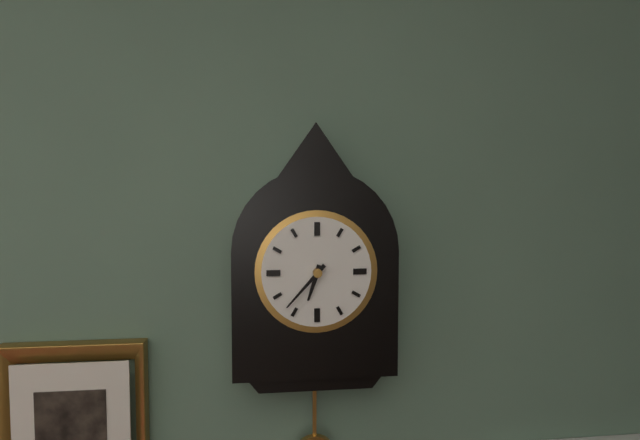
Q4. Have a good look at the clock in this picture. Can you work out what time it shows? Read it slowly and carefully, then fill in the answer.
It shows 6:37
